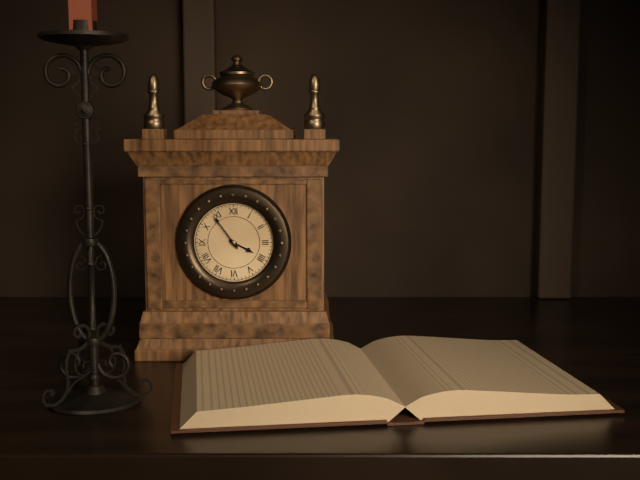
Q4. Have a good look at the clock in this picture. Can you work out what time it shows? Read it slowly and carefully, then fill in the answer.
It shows 3:54
